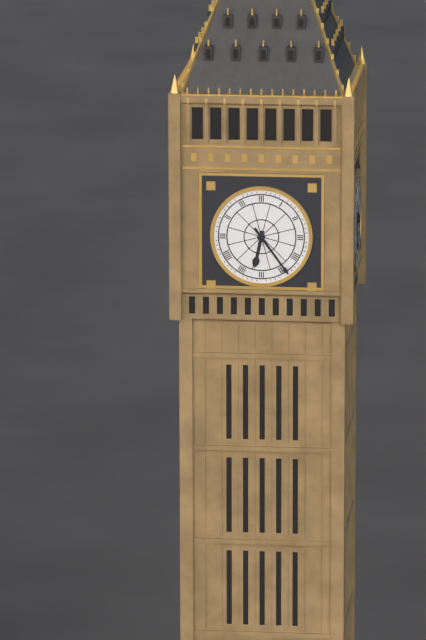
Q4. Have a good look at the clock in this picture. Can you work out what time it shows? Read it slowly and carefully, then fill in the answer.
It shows 6:24
